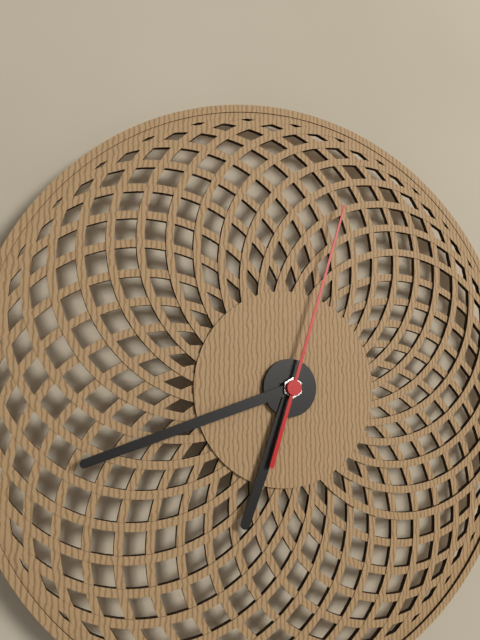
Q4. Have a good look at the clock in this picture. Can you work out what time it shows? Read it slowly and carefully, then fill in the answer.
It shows 6:42:03
